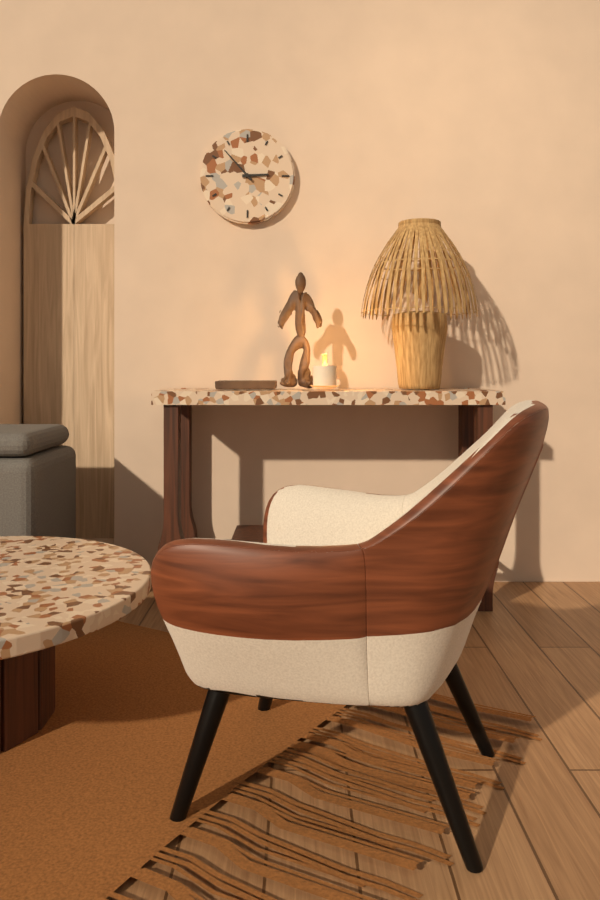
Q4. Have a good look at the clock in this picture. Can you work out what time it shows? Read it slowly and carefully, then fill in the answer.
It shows 2:53
